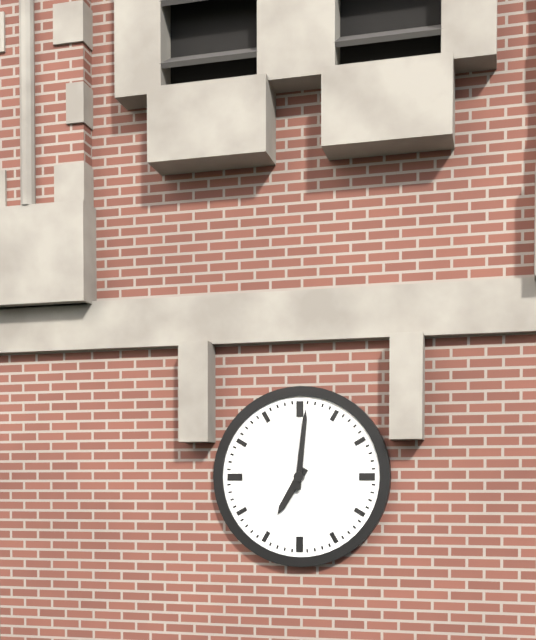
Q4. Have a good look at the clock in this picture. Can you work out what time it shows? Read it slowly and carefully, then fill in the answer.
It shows 7:01
